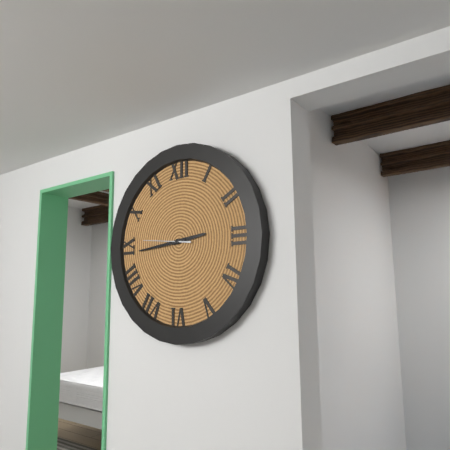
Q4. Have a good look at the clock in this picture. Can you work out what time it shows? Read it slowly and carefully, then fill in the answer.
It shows 2:44:46
